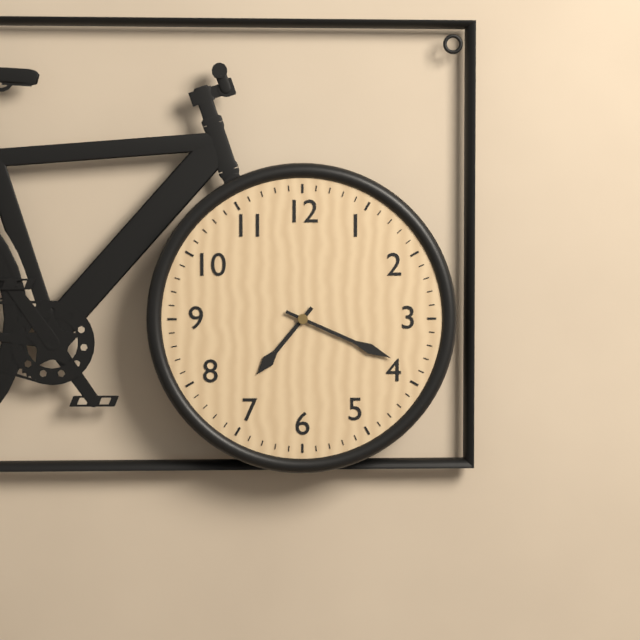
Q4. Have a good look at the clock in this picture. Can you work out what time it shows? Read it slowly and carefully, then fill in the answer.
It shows 7:19
